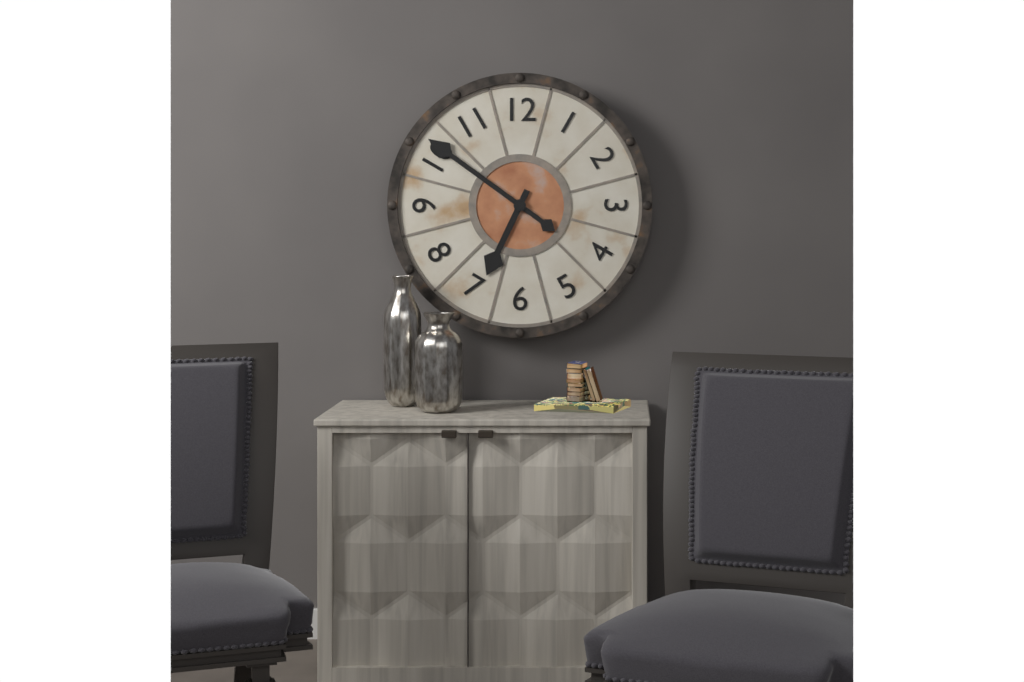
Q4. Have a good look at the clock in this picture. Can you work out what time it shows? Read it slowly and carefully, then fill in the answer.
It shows 6:51
